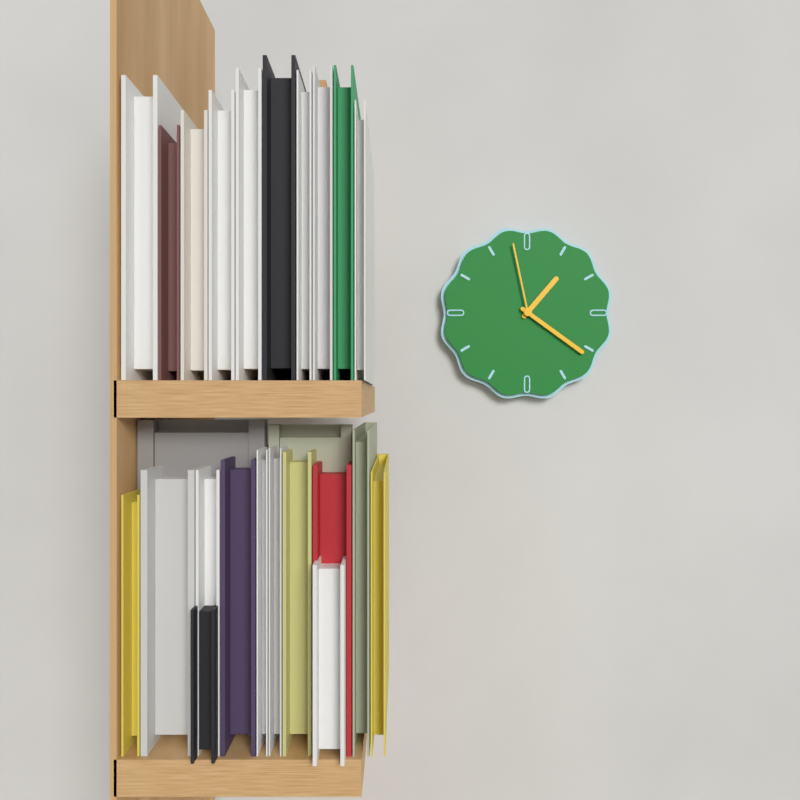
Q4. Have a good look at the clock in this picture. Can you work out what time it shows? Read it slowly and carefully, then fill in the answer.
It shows 1:21:58
